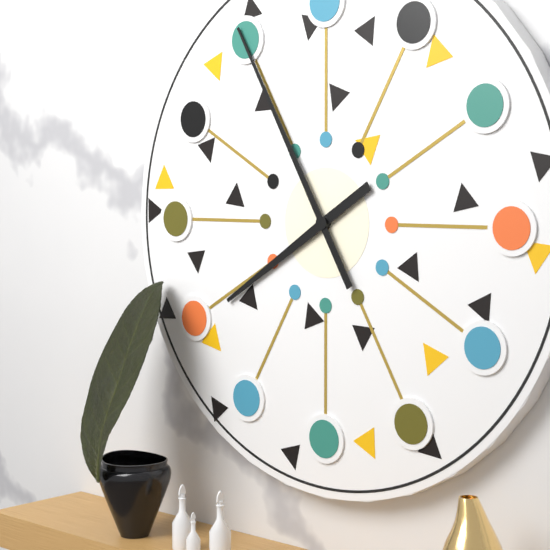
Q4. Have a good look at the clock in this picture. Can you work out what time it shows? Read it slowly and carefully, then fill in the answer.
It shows 7:55
